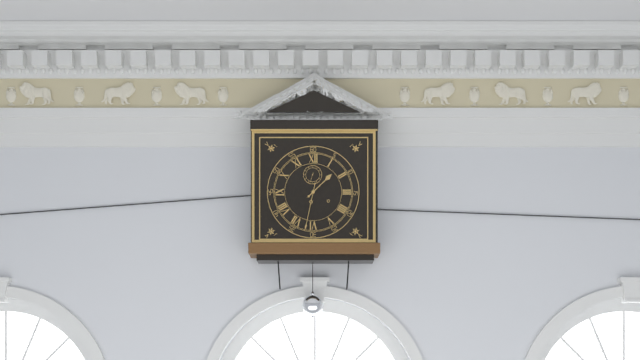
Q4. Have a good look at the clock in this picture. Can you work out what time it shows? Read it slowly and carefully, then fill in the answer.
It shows 1:32
